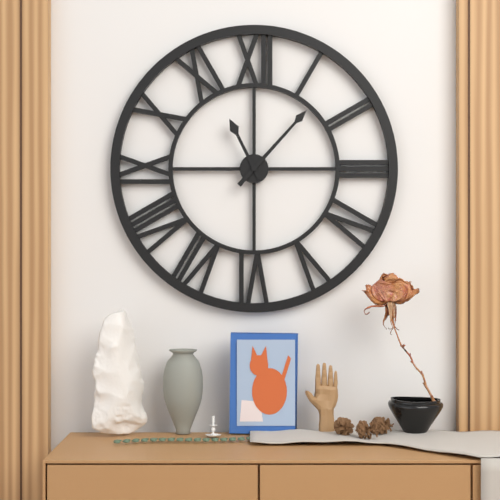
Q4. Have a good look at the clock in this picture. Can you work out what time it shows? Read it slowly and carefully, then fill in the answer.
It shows 11:07
